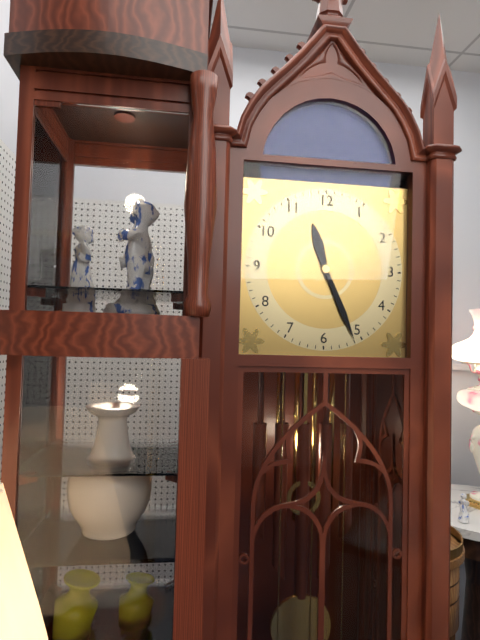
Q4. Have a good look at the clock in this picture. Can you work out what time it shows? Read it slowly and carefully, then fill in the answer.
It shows 11:26
